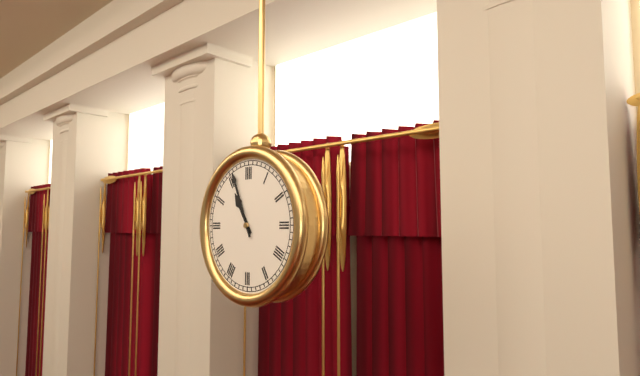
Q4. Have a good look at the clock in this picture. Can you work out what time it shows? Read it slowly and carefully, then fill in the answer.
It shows 10:56
